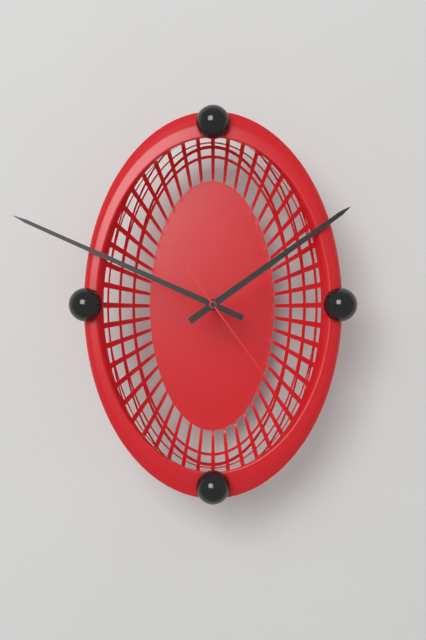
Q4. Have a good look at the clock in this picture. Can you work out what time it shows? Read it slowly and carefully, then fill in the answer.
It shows 1:49:24
